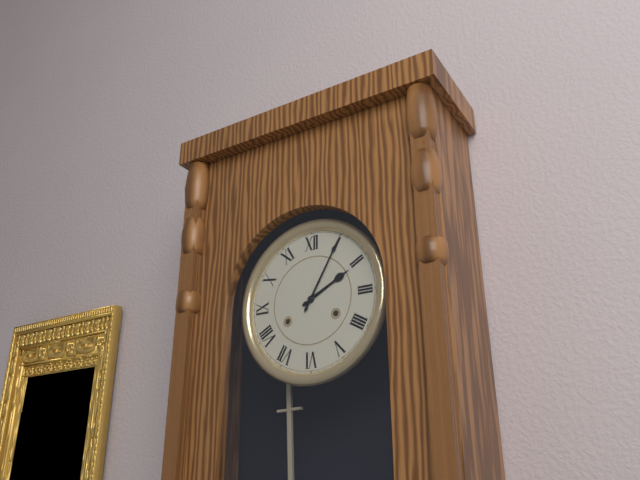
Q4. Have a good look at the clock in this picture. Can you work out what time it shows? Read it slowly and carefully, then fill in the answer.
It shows 2:05
